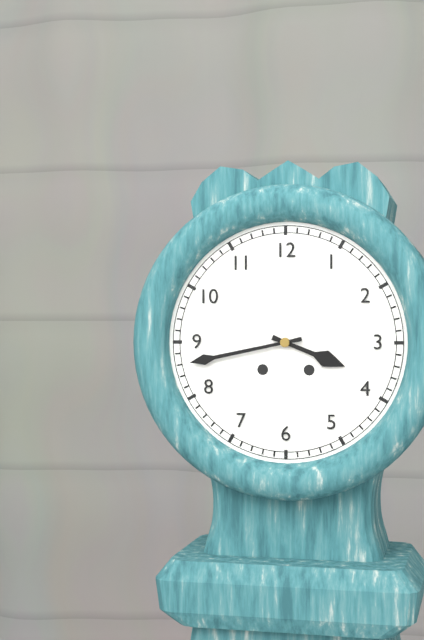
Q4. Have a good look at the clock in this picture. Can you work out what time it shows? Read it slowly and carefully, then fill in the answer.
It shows 3:43
